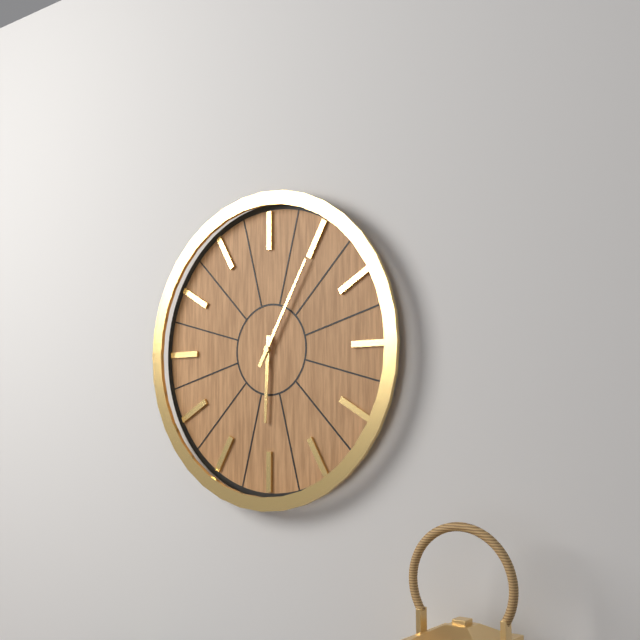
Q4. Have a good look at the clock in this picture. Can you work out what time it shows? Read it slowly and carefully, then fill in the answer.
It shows 6:05
